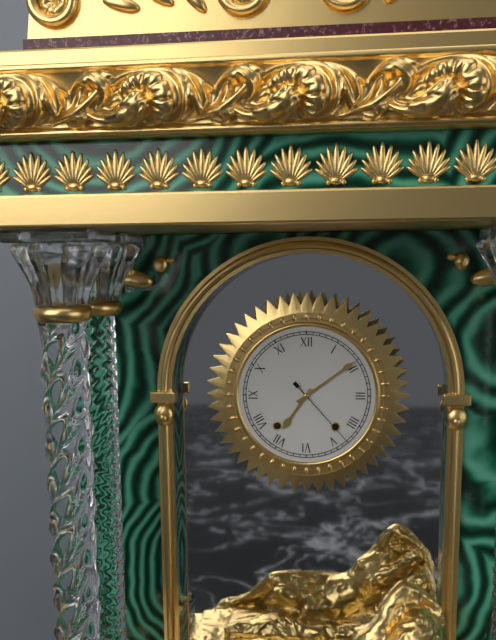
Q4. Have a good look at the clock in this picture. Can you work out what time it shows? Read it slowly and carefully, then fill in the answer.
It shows 7:09:23
